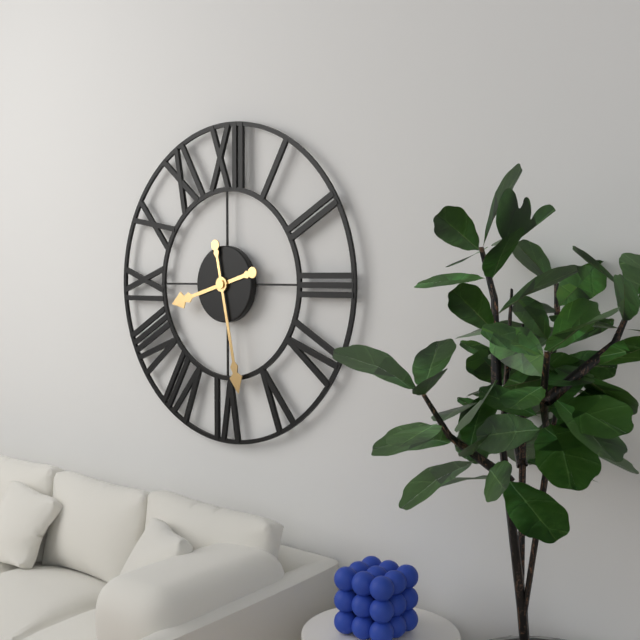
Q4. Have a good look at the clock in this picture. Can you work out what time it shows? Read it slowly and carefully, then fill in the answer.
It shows 8:28
